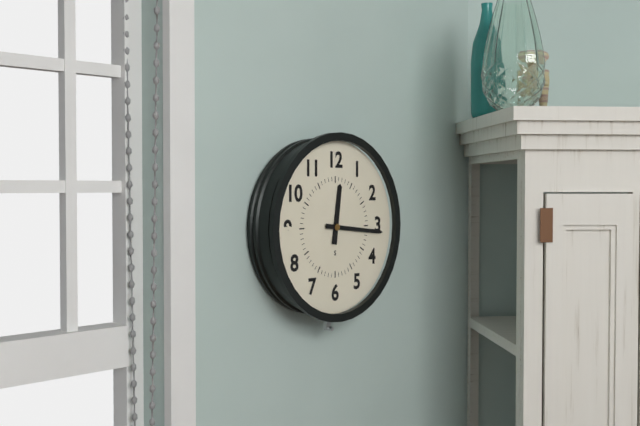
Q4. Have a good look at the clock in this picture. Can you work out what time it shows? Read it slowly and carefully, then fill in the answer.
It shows 12:16
